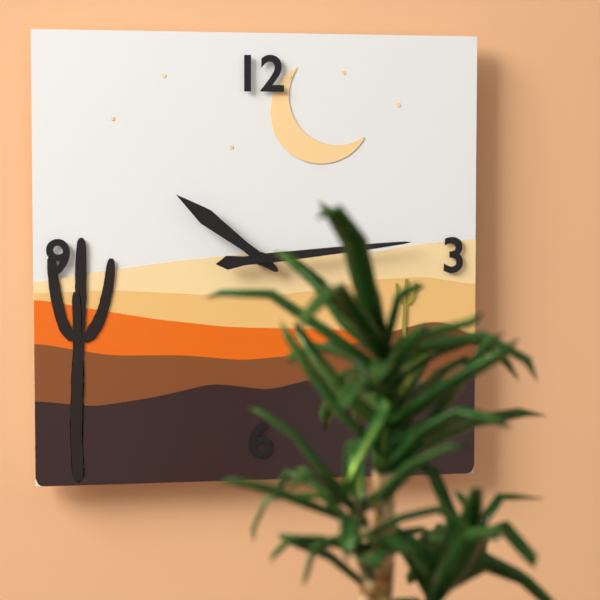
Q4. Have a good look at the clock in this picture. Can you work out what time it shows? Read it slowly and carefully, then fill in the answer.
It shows 10:14
